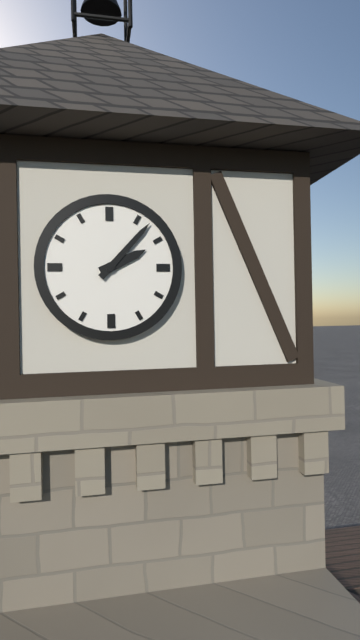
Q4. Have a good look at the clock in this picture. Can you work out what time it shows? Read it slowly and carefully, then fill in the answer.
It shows 2:07
